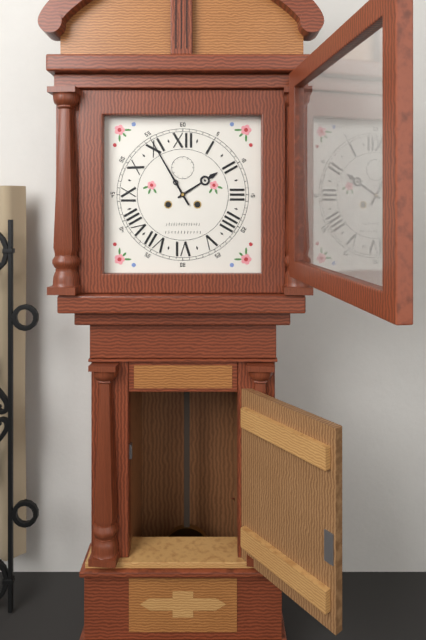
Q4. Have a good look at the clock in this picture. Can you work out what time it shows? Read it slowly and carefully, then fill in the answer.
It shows 1:55
